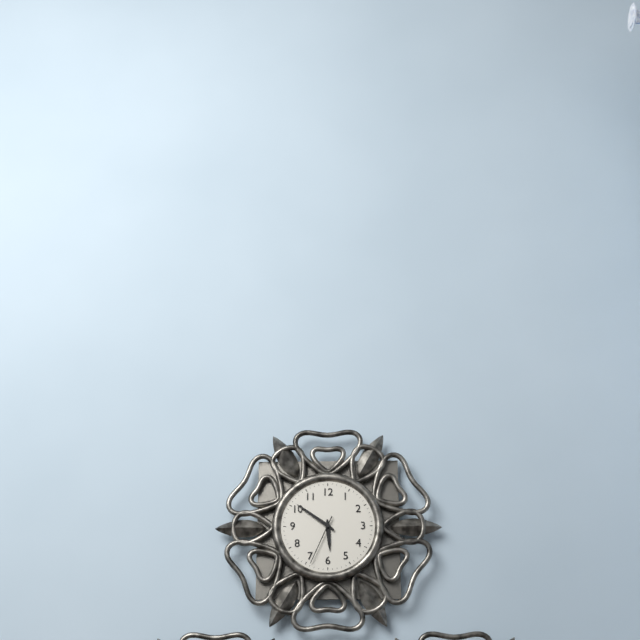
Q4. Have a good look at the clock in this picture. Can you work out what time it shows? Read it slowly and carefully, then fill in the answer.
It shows 5:51:34
